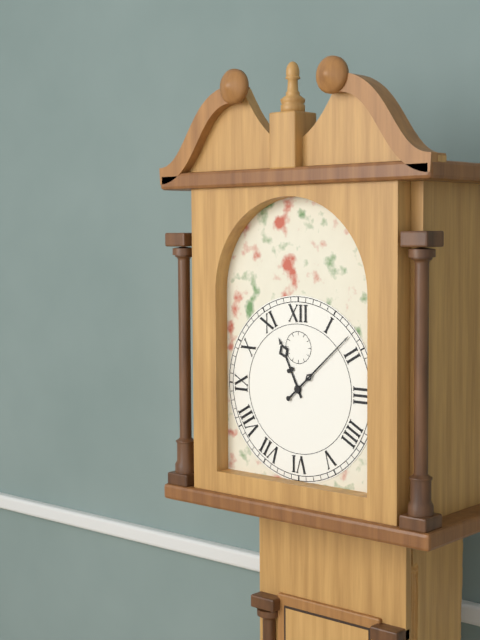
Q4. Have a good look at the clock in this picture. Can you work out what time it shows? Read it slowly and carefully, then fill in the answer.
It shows 11:08
